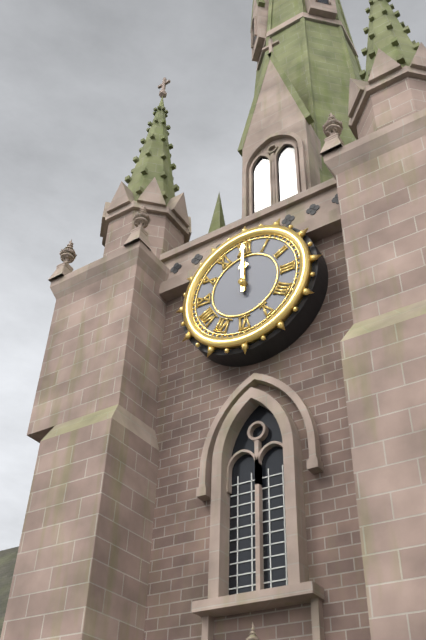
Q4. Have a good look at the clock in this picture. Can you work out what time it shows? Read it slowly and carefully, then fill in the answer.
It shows 12:00
